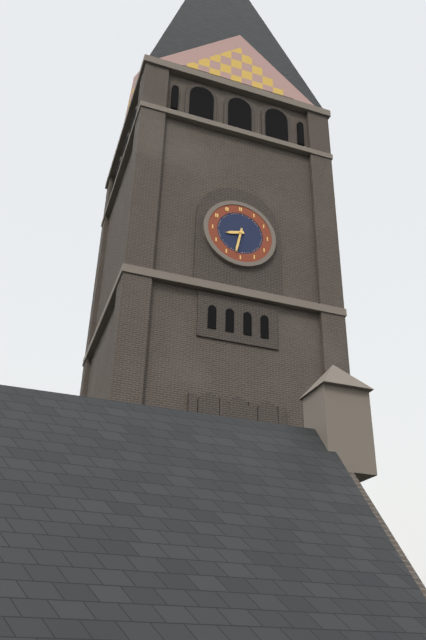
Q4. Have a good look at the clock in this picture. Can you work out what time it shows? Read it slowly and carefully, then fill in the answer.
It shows 8:32
